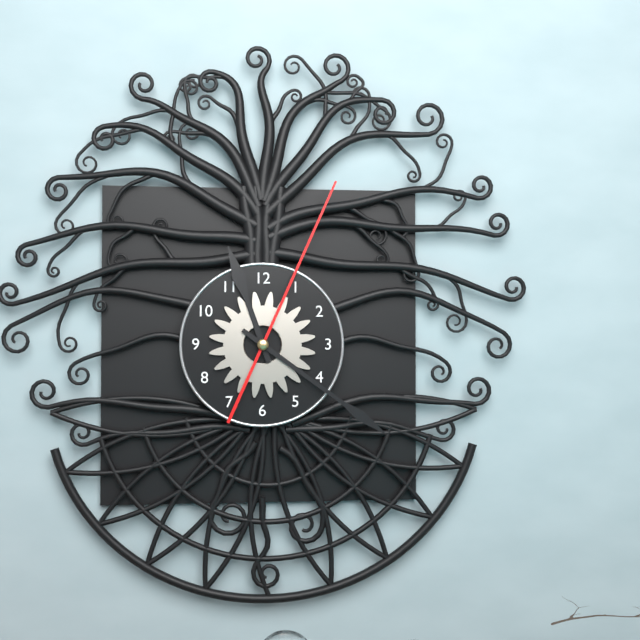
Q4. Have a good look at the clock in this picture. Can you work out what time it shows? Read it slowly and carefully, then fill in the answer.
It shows 11:21:04
